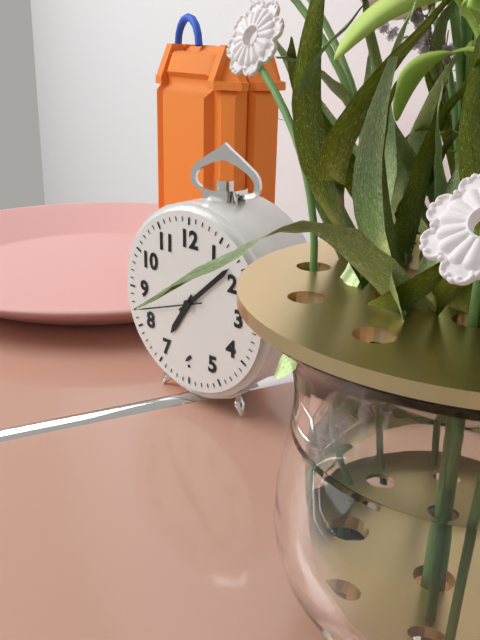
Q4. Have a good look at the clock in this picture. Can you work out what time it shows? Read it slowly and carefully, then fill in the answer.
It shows 7:08:42
